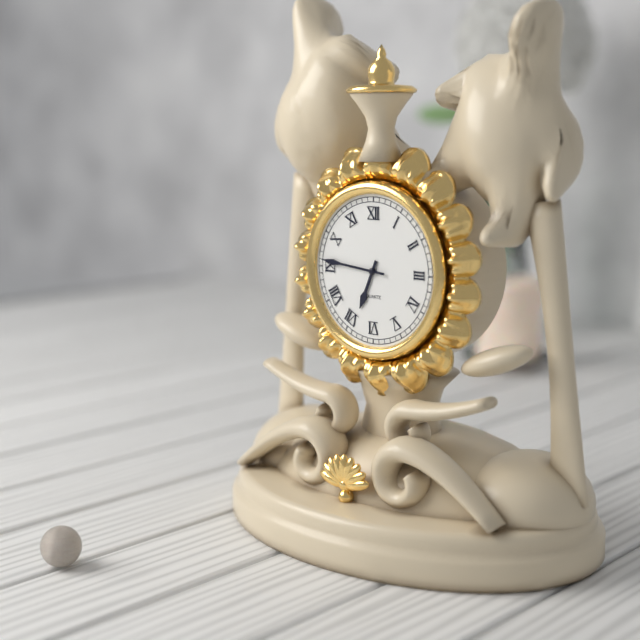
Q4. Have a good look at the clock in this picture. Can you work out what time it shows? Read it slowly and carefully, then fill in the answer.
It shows 6:46
